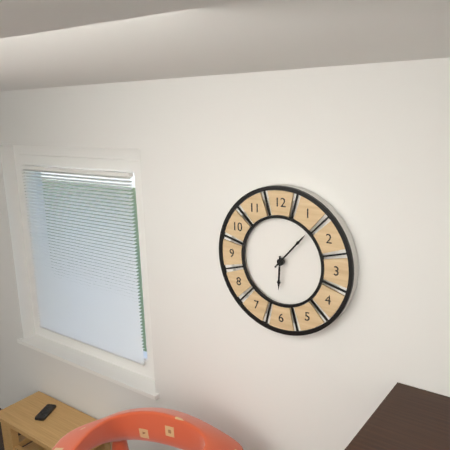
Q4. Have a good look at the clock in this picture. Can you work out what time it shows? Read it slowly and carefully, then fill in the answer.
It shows 6:07
